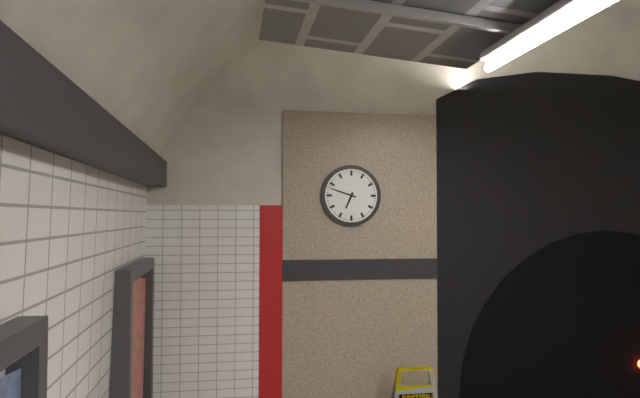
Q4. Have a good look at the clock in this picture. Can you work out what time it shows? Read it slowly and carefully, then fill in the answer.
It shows 6:48
